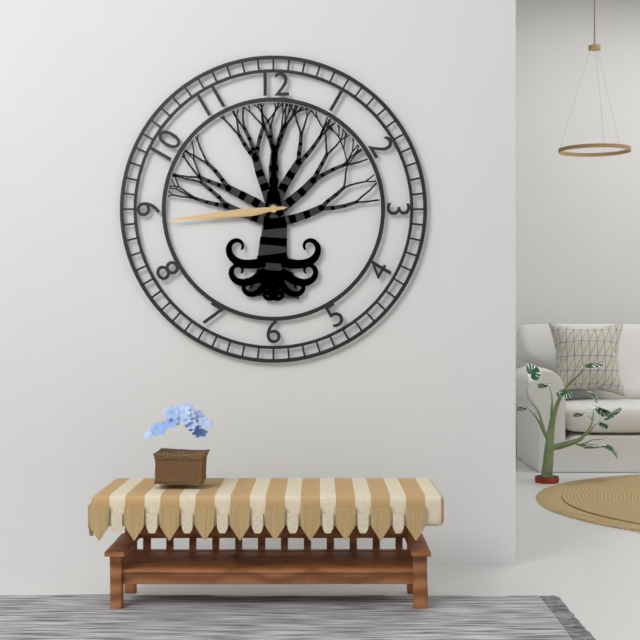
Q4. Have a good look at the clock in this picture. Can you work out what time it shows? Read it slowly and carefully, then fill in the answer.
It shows 8:44
